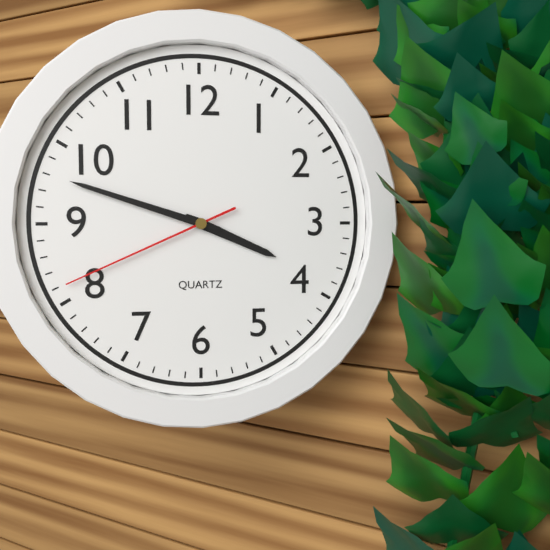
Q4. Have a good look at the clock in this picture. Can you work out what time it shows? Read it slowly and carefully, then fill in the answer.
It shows 3:48:41
